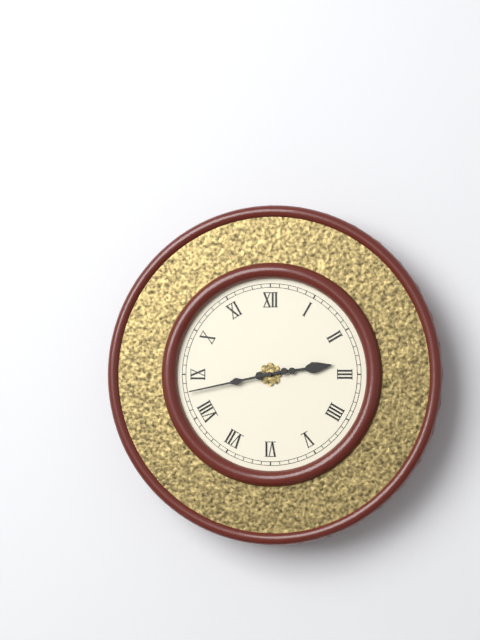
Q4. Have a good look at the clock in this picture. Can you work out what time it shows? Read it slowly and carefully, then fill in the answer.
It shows 2:43
